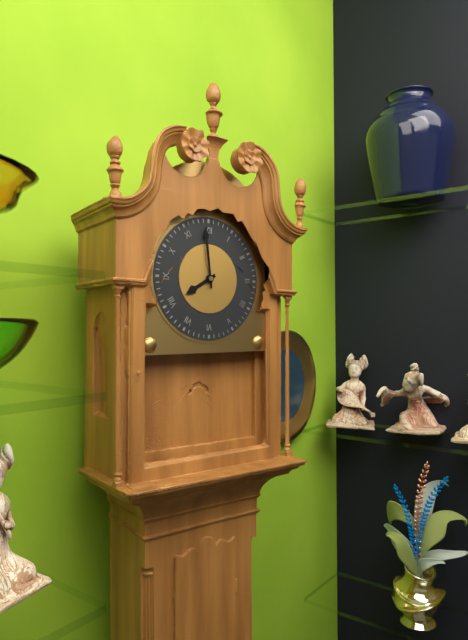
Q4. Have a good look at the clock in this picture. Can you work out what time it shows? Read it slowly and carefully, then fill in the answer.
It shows 7:59
